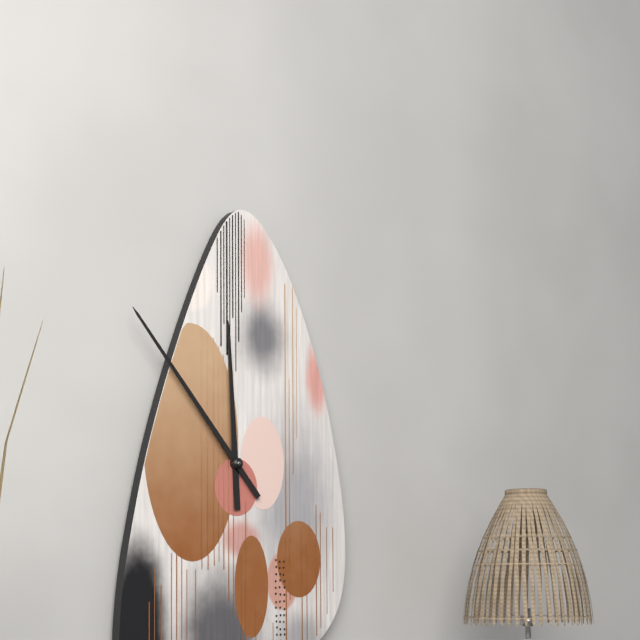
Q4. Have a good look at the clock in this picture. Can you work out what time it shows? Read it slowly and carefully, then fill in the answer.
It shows 11:53
